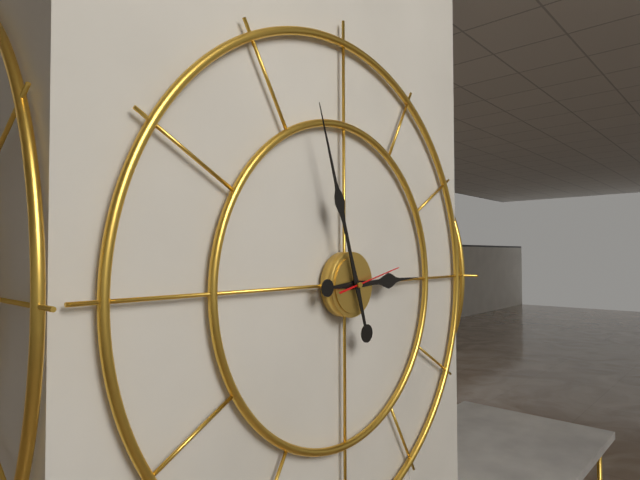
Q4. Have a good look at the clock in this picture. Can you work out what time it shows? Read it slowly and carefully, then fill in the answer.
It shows 2:57:13
